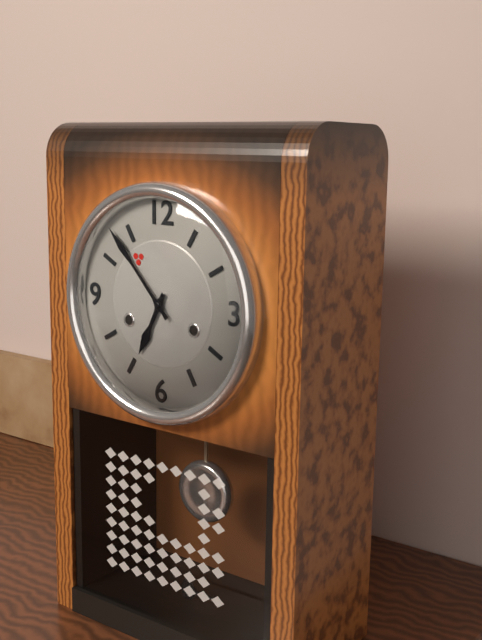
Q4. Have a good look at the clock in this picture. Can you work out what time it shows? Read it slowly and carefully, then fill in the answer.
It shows 6:53
